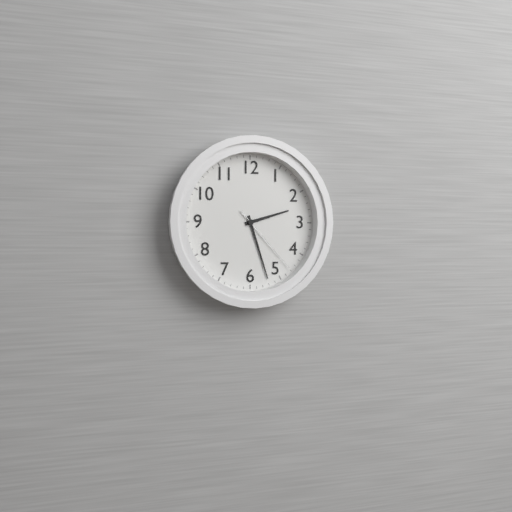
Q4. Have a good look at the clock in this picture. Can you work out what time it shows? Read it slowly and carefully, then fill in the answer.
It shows 2:27:23
